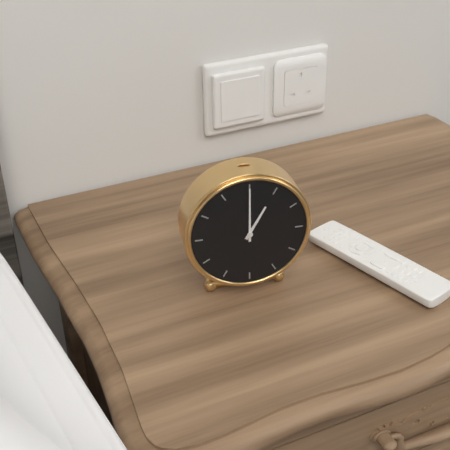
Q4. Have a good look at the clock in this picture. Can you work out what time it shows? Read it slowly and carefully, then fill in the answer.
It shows 1:00
